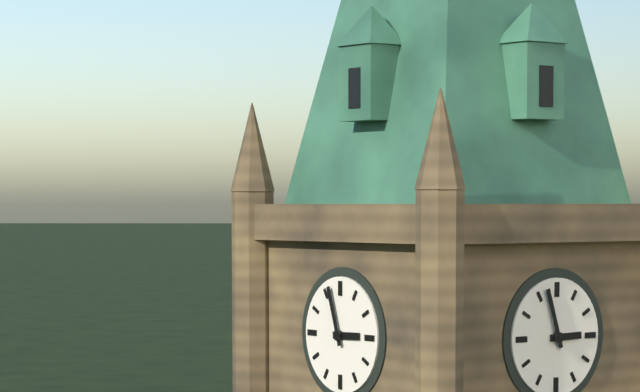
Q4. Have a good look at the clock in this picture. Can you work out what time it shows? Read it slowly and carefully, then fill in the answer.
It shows 2:57
